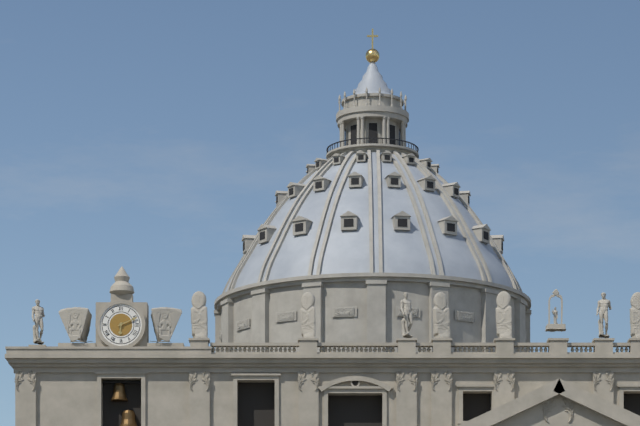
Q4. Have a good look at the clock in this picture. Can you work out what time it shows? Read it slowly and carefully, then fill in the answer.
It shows 6:11
